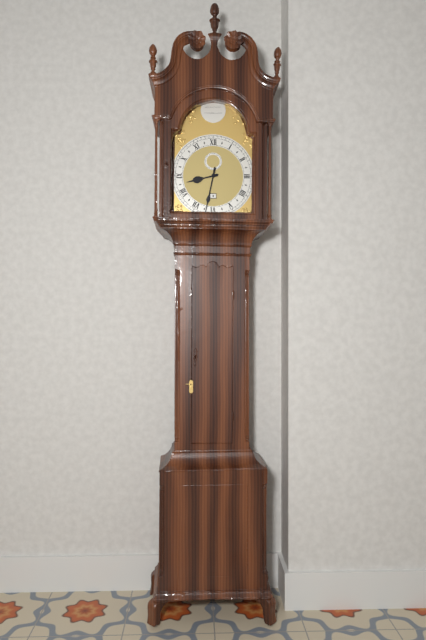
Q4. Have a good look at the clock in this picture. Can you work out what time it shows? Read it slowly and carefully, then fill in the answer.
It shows 8:32
